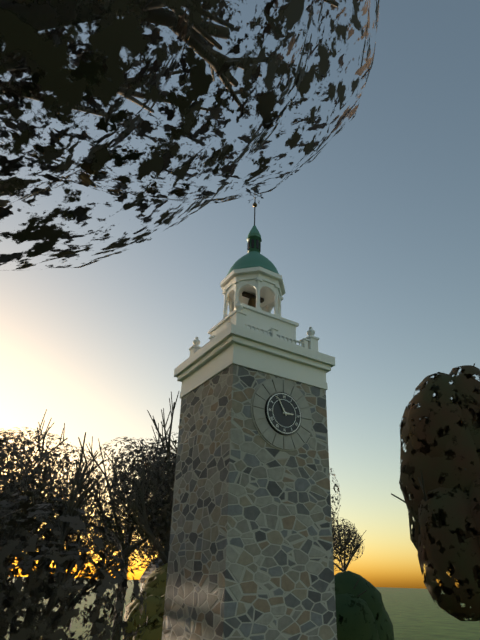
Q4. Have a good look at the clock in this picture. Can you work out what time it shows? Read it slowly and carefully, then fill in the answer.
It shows 2:55
